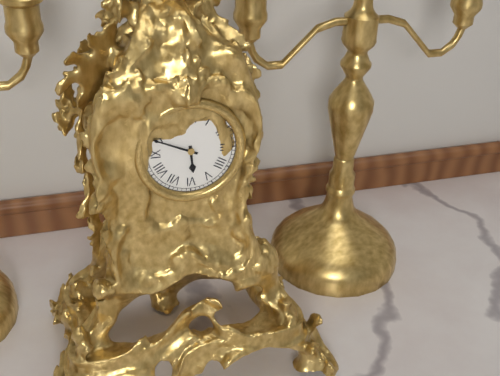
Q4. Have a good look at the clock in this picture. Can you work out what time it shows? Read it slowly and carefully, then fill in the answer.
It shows 5:49
